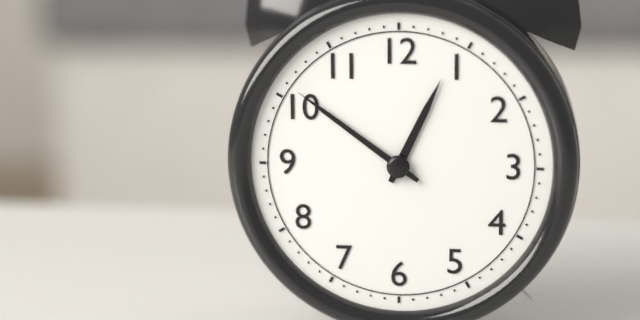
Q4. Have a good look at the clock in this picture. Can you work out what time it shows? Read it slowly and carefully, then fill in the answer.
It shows 12:51
